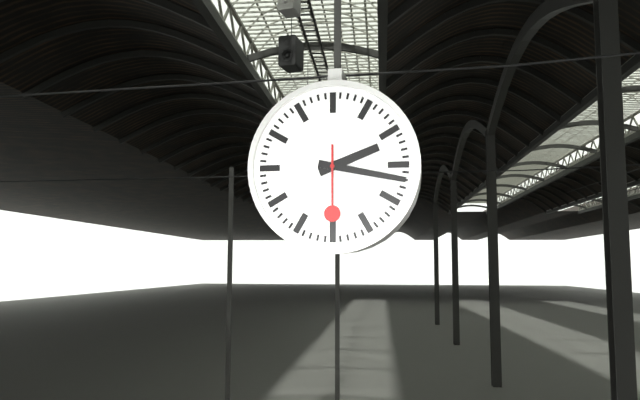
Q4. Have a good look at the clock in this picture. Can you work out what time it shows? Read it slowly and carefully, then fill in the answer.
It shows 2:17:30
